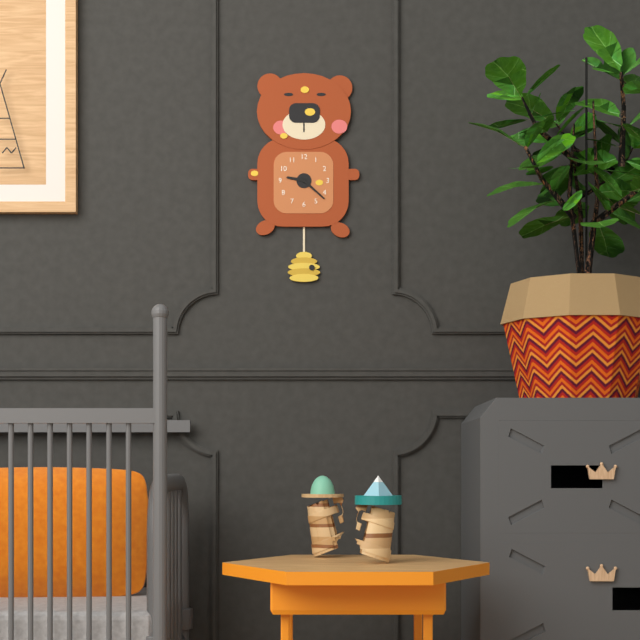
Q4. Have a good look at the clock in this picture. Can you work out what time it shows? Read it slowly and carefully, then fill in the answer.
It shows 9:22
